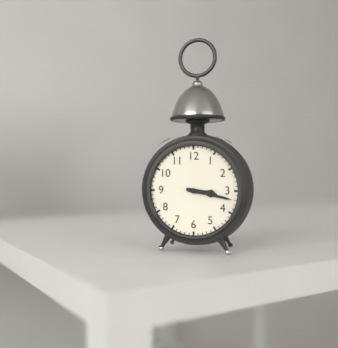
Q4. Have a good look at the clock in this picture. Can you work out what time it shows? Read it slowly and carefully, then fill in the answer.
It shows 3:17
